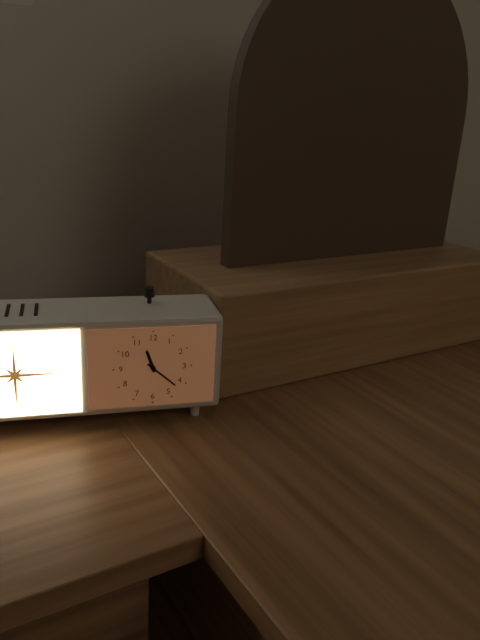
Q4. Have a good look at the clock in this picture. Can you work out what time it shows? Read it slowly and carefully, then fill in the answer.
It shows 11:22
